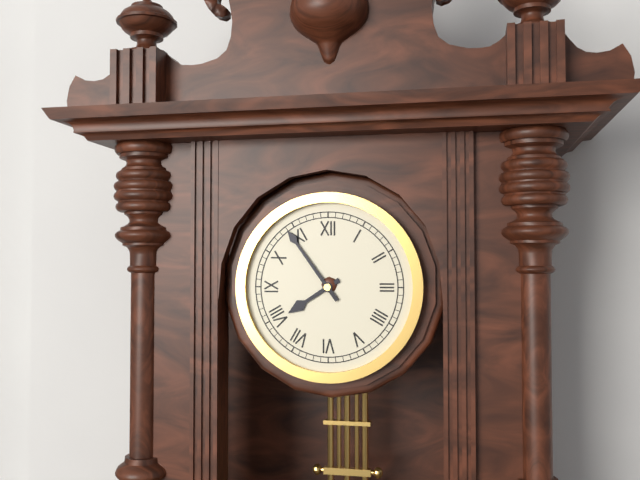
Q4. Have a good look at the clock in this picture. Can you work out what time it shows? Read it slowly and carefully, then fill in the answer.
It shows 7:54
